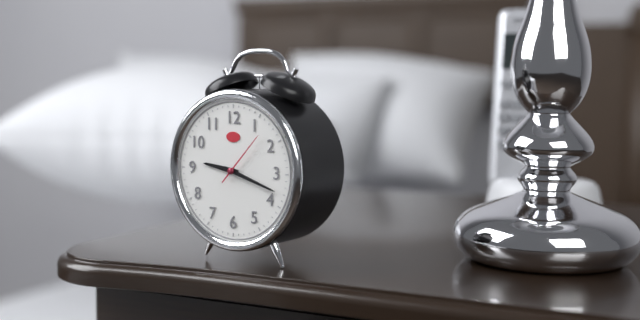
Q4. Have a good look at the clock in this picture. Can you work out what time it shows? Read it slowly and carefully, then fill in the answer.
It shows 9:18:07
